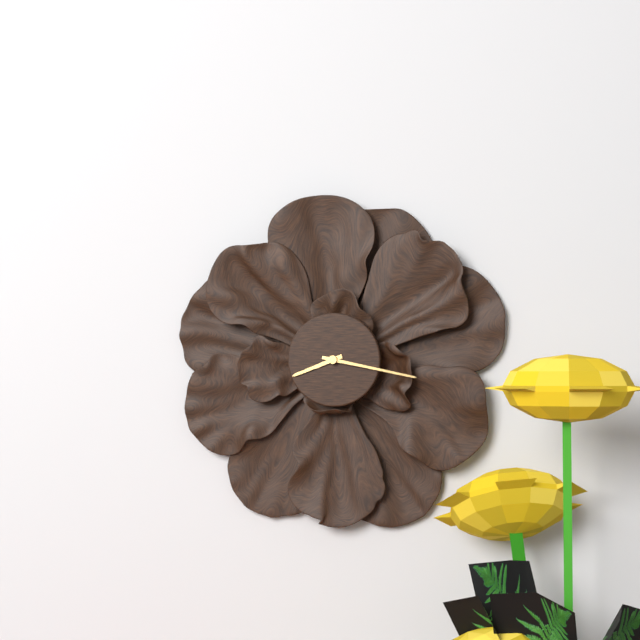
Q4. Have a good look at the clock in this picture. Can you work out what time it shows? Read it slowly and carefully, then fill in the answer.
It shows 8:17
